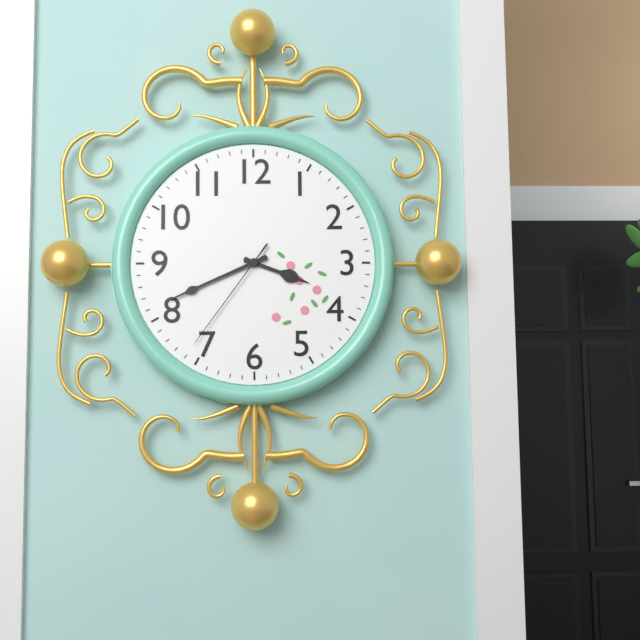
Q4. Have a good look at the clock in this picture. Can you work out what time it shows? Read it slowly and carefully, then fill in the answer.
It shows 3:41:36
